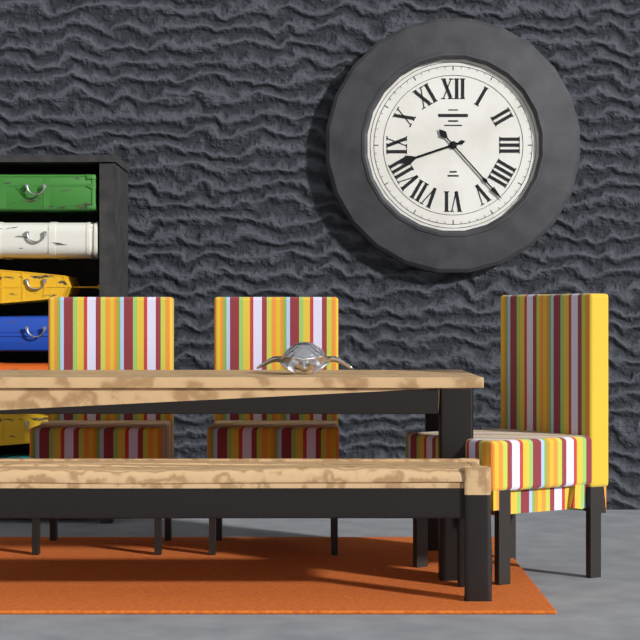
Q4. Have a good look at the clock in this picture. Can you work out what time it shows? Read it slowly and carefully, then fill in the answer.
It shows 8:23
